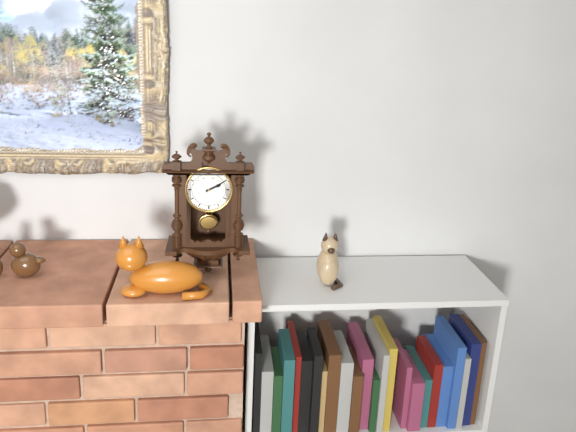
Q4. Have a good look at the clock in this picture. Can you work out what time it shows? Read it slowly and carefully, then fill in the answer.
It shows 2:10
